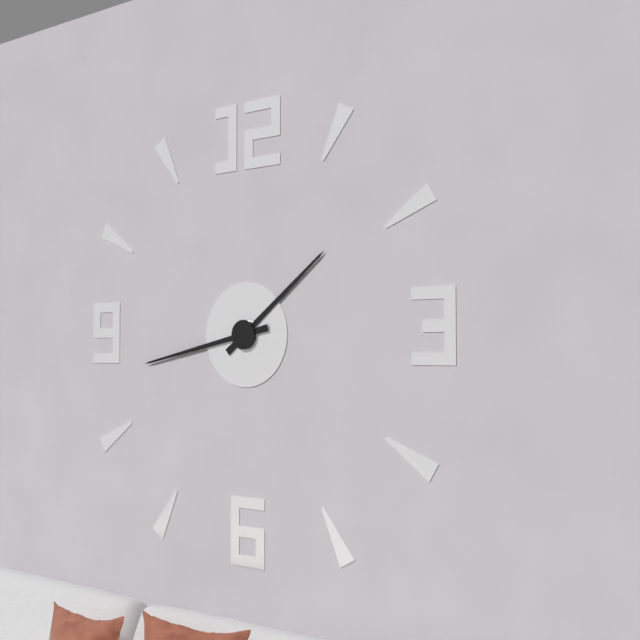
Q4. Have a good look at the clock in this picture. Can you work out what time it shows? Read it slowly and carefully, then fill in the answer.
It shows 1:43
